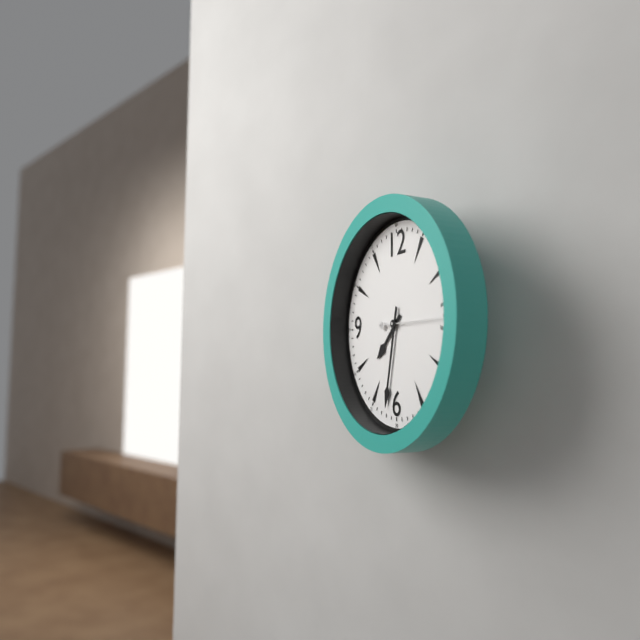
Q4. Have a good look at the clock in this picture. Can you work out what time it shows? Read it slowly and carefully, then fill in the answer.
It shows 7:32:15
